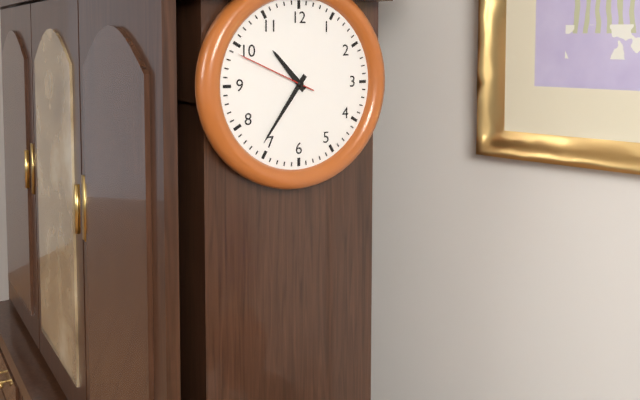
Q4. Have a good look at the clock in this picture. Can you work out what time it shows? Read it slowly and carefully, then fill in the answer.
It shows 10:36:49
